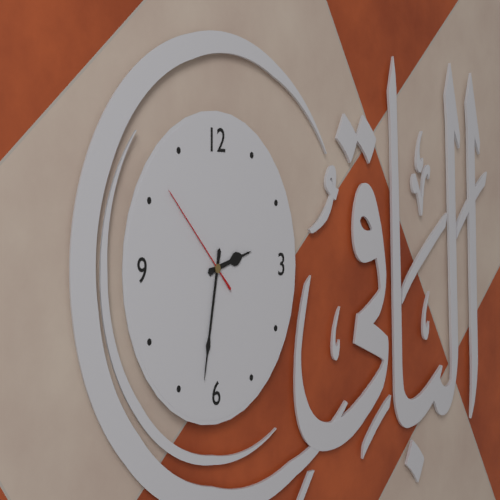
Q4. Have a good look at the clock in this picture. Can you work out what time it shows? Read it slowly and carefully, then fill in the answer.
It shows 2:32:52
